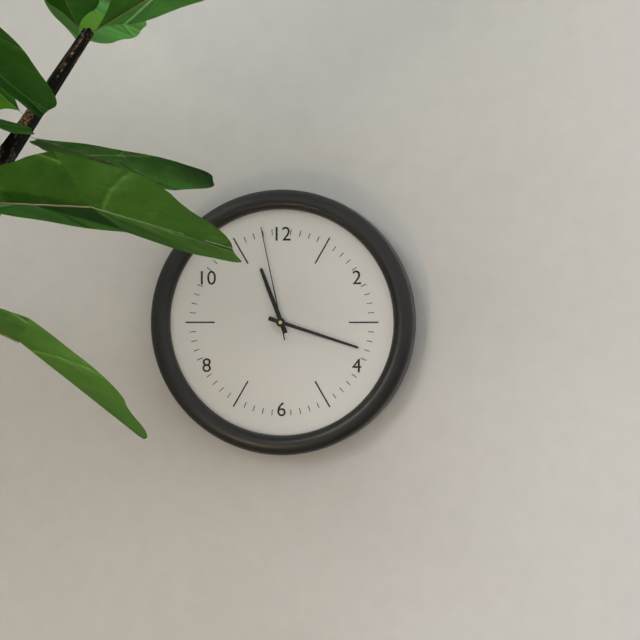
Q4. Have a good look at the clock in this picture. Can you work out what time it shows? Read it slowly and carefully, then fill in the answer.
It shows 11:18:58
